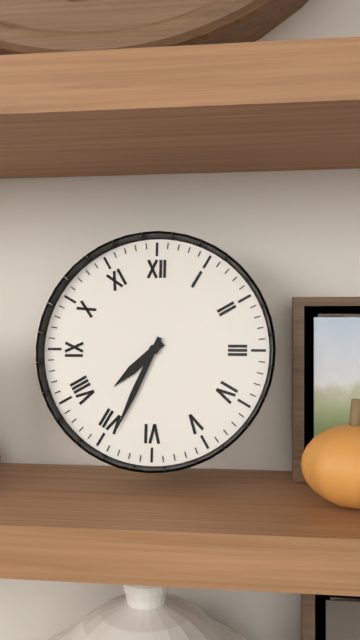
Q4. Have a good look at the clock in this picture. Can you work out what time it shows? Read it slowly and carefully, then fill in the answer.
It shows 7:34
